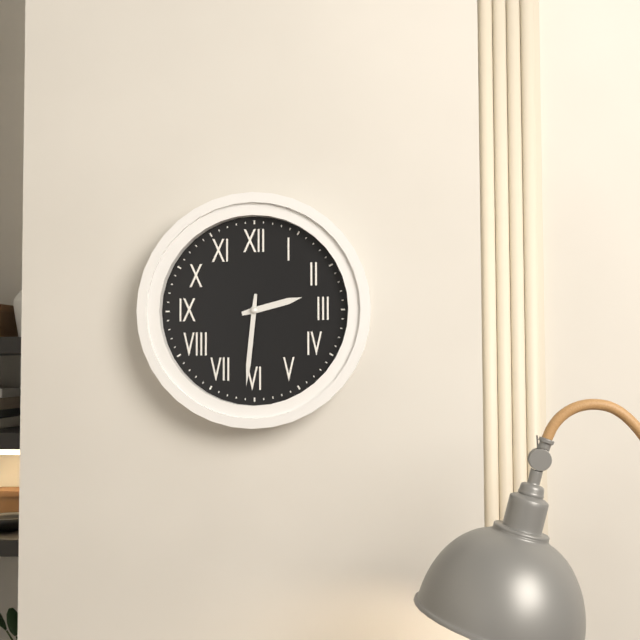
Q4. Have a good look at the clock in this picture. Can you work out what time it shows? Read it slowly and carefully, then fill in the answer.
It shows 2:31
